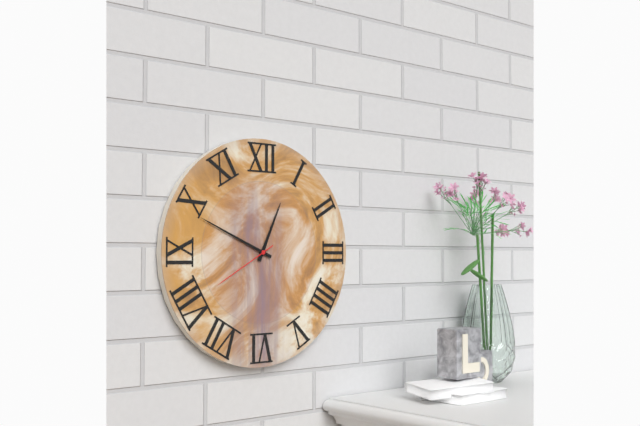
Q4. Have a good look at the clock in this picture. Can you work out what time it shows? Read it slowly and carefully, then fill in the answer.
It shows 12:49:40
